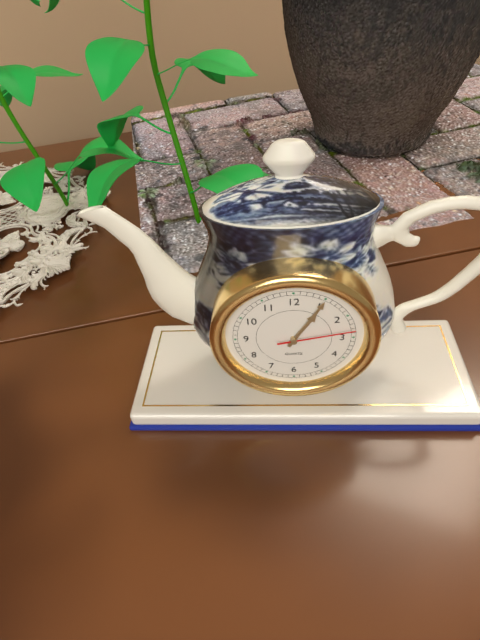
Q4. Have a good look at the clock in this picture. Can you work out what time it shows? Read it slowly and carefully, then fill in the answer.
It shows 1:05:13
